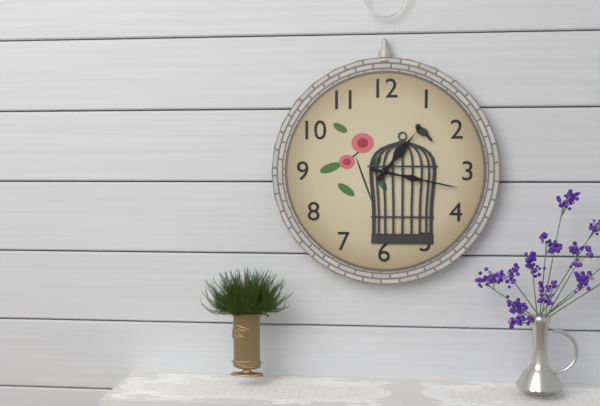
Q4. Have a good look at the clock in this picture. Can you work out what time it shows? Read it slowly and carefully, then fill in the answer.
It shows 1:17
